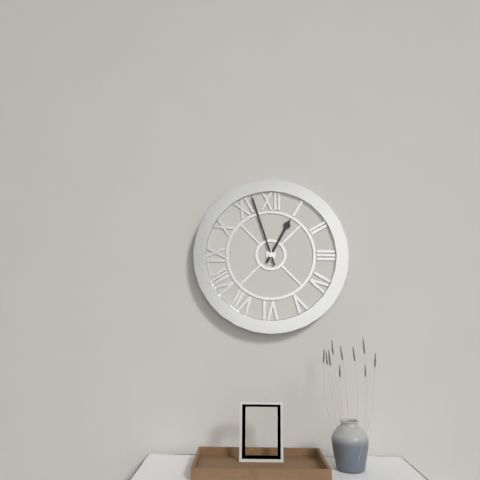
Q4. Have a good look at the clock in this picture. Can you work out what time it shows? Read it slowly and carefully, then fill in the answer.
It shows 12:57
